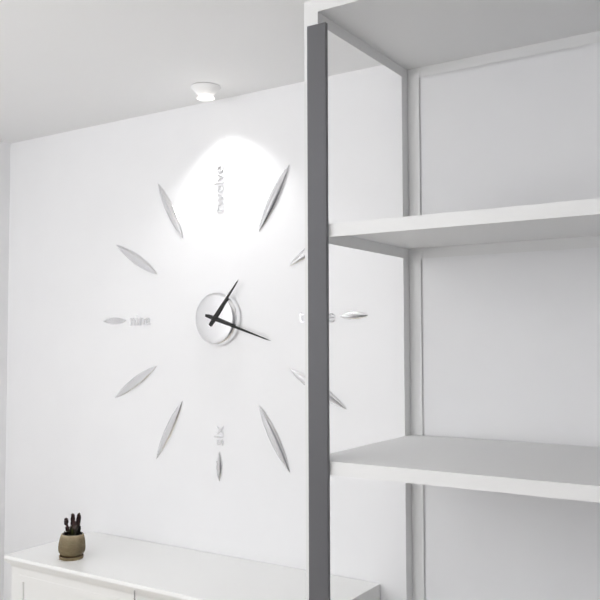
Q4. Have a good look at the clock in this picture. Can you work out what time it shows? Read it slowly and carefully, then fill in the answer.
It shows 1:18
